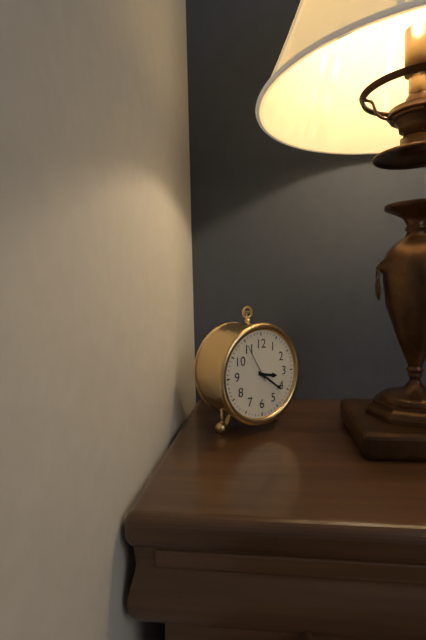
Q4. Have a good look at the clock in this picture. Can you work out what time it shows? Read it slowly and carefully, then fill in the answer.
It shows 3:21
